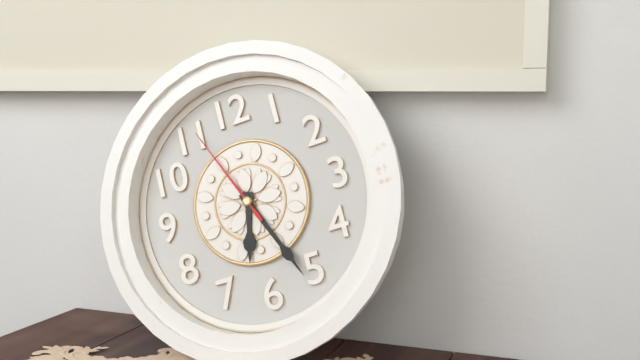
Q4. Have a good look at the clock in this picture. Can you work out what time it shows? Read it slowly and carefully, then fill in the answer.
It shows 6:26:56
